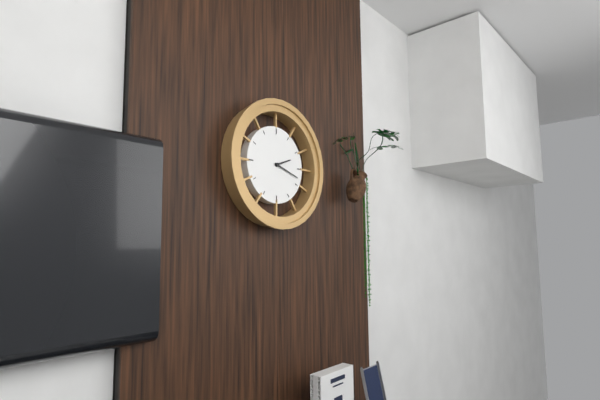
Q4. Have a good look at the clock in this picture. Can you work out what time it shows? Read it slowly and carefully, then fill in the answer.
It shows 2:18
